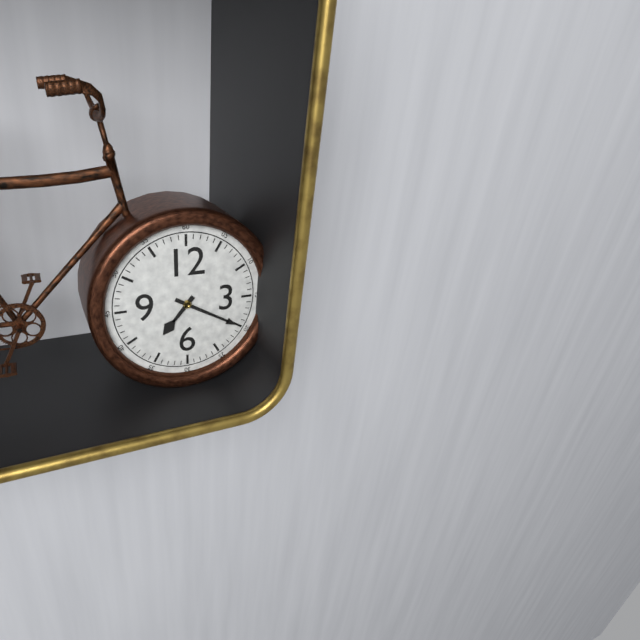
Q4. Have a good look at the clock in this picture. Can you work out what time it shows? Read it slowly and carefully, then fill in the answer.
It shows 7:20
